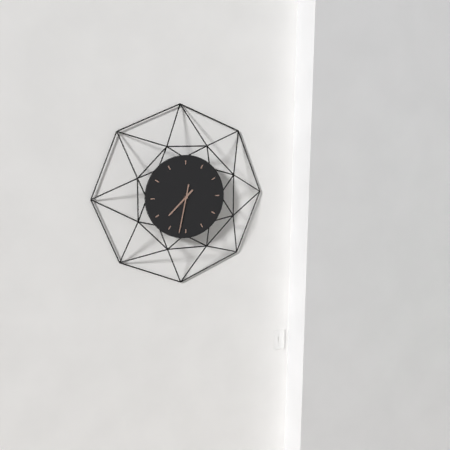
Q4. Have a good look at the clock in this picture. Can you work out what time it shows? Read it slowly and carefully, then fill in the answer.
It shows 7:32
